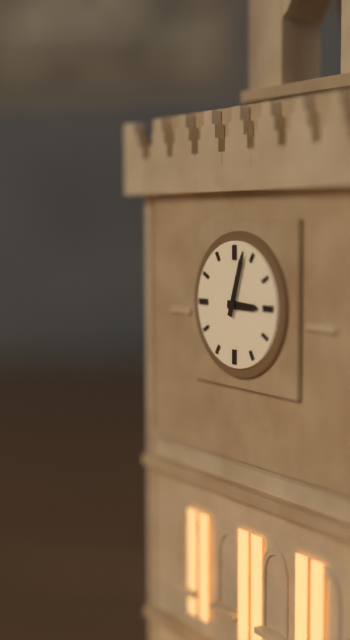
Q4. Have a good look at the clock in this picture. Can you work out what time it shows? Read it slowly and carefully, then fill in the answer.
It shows 3:03
